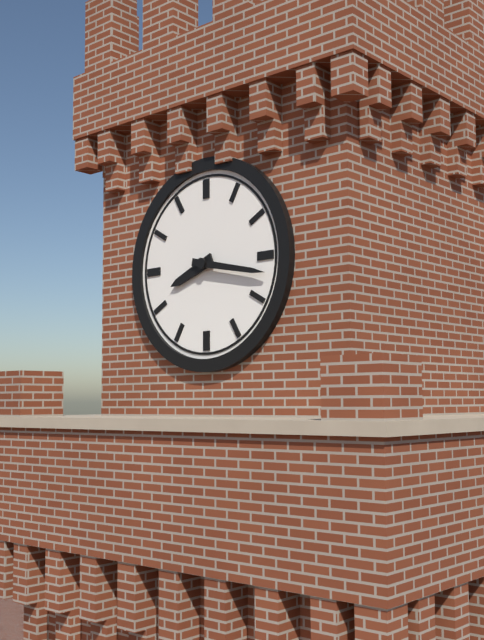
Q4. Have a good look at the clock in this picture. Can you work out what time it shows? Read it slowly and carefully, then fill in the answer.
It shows 8:17
